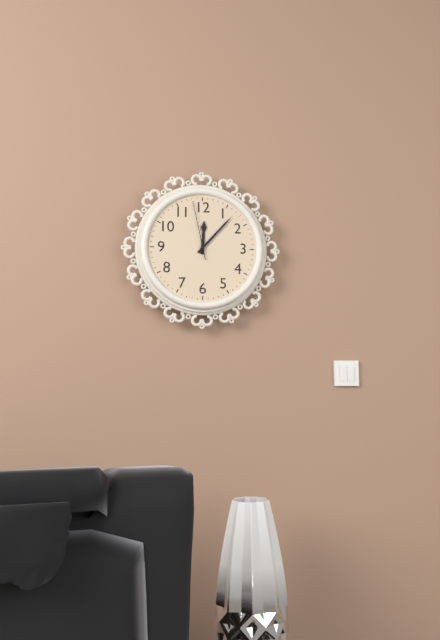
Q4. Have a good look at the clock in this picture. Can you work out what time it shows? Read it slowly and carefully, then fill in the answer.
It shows 12:07:58
